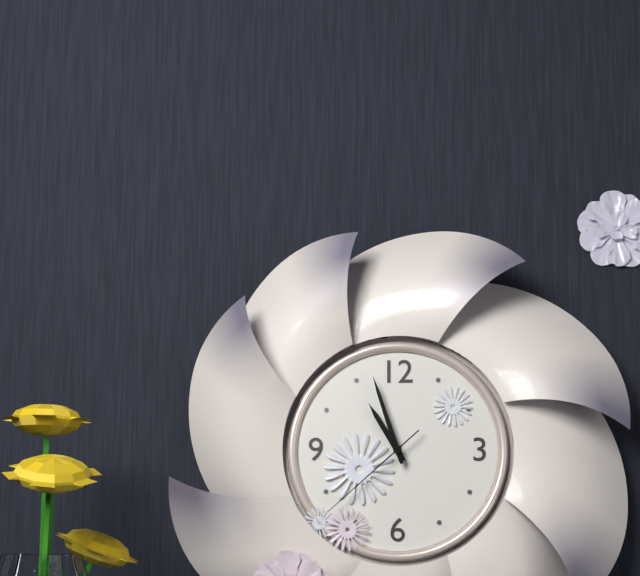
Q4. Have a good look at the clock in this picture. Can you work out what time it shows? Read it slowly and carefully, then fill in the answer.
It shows 10:57:38
